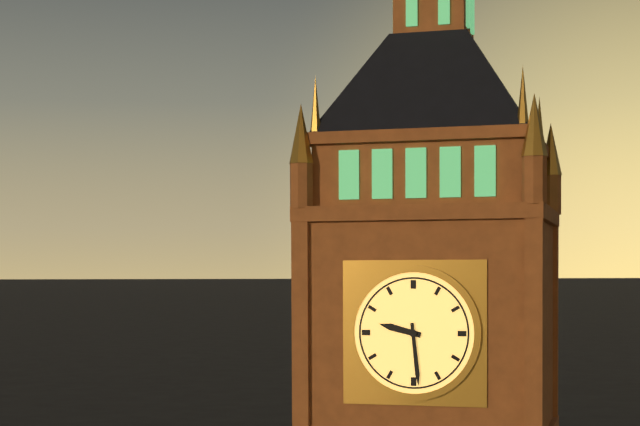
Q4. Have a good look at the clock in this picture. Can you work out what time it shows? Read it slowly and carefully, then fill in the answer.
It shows 9:29
